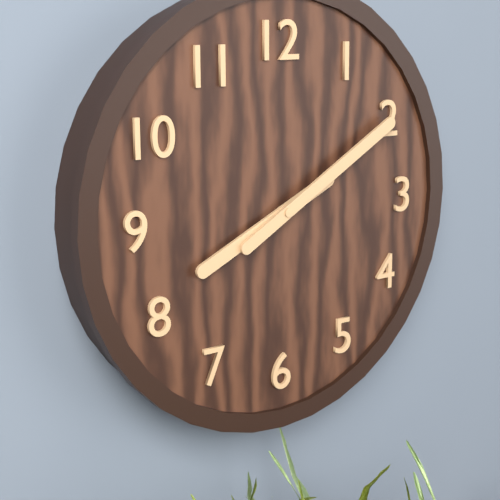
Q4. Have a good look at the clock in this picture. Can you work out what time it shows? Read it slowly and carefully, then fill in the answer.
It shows 8:10
